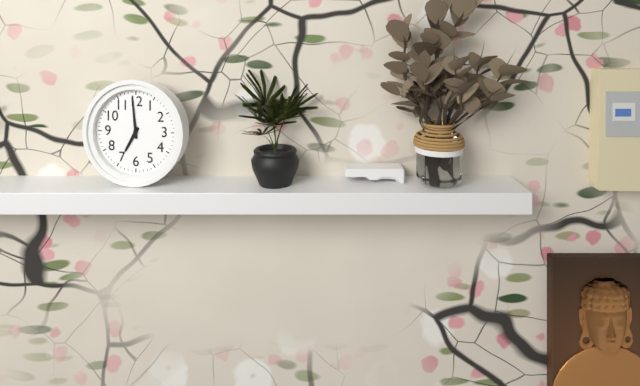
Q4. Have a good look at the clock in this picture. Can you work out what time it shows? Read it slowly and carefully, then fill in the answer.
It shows 6:59
